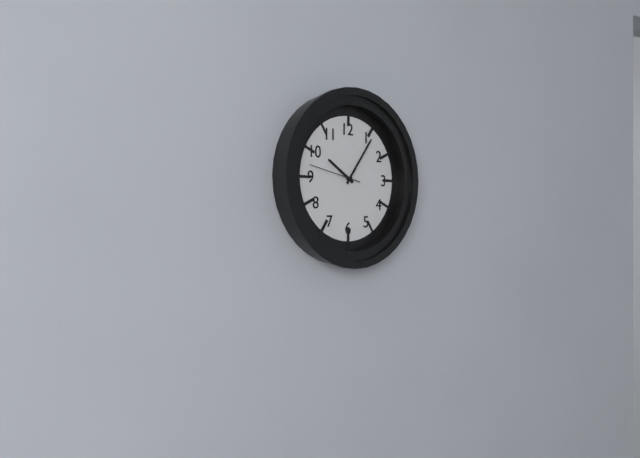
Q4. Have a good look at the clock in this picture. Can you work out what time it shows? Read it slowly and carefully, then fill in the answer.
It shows 10:06:47
